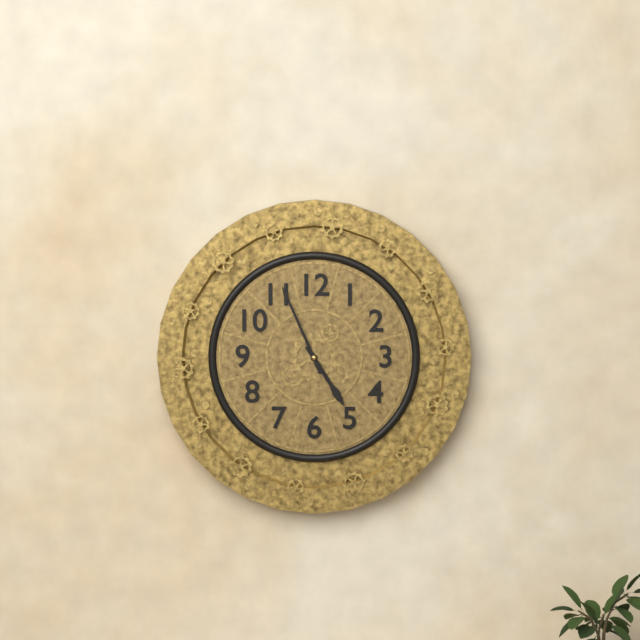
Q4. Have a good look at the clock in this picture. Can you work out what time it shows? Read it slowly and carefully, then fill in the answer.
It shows 4:56
